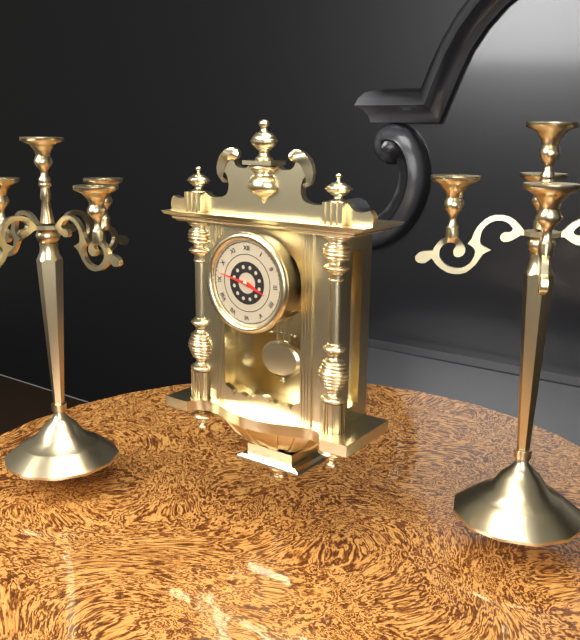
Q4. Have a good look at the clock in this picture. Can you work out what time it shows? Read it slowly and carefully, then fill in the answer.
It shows 3:47
